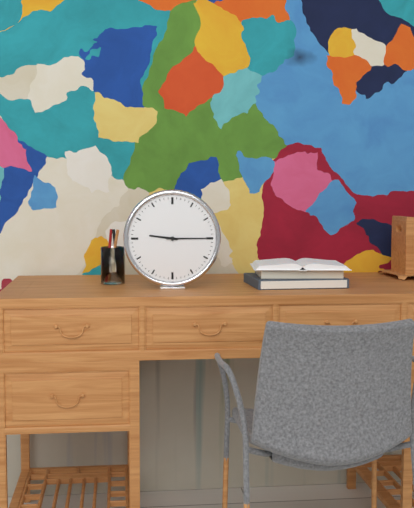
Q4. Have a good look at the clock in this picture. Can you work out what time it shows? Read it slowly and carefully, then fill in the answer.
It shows 9:15
